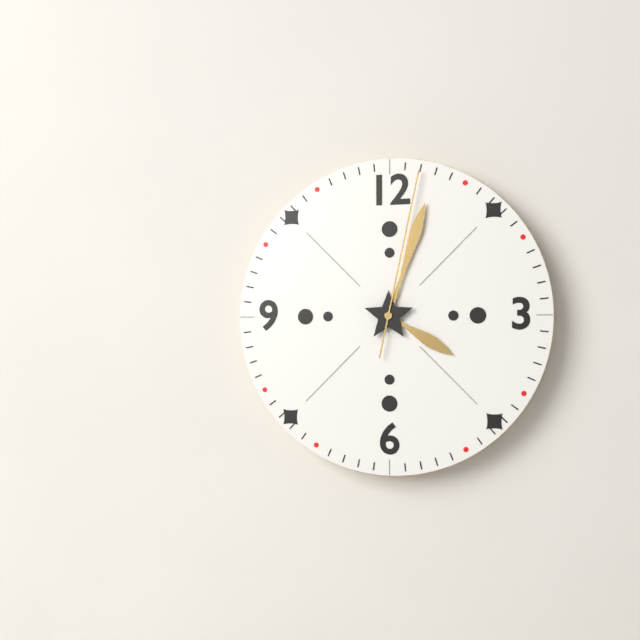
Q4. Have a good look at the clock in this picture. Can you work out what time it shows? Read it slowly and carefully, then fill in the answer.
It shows 4:03:02
